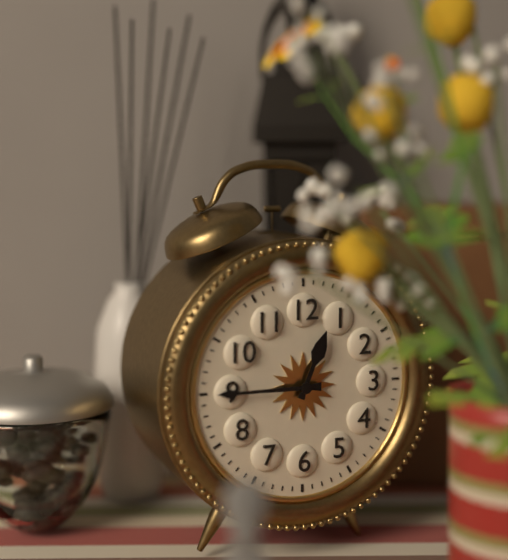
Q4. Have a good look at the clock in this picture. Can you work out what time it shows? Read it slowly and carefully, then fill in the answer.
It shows 12:45
